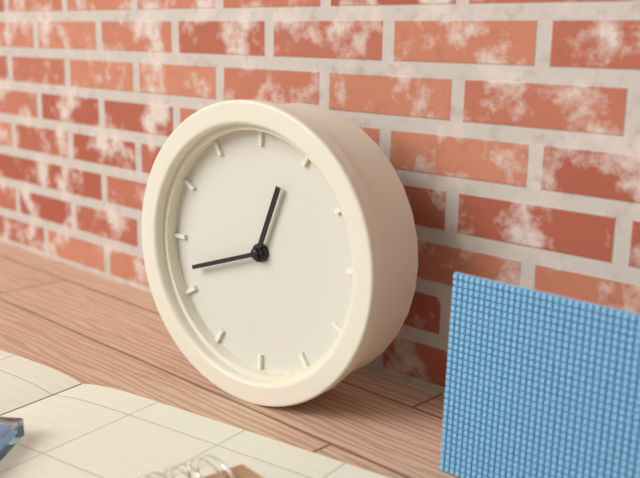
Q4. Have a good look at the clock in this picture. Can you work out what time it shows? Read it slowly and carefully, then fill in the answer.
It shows 12:42
